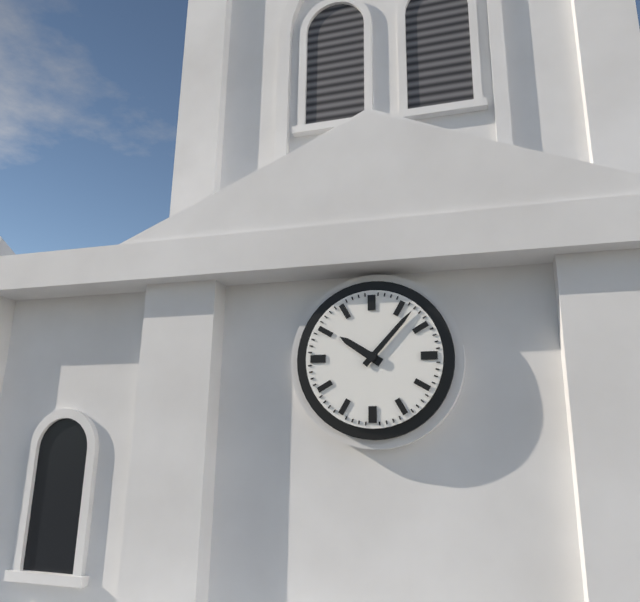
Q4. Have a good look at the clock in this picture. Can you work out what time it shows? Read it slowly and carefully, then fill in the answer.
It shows 10:07
